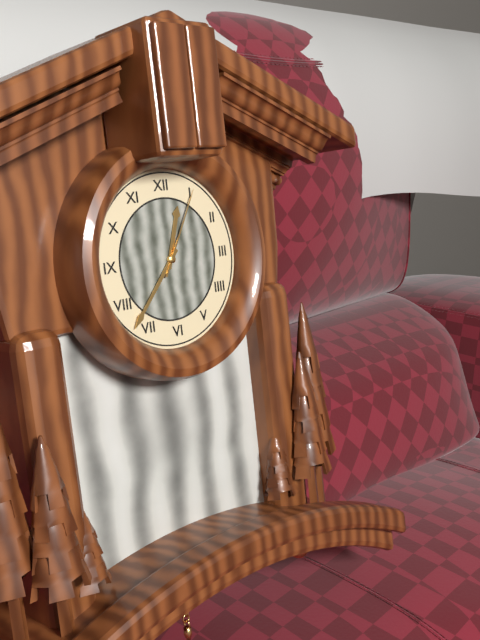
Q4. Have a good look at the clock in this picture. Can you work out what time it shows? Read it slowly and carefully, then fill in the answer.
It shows 12:37:05
